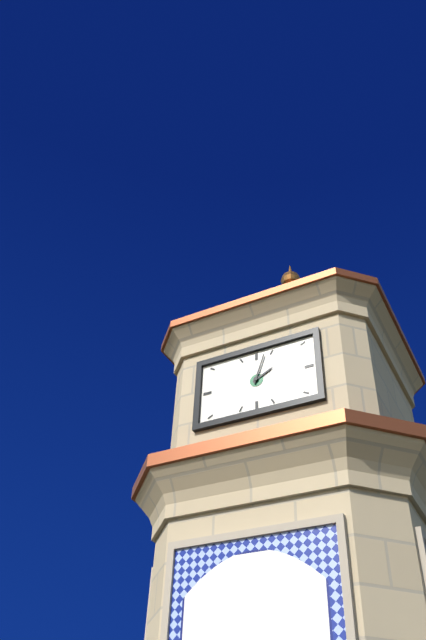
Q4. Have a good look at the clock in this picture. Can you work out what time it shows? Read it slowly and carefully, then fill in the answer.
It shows 2:03
